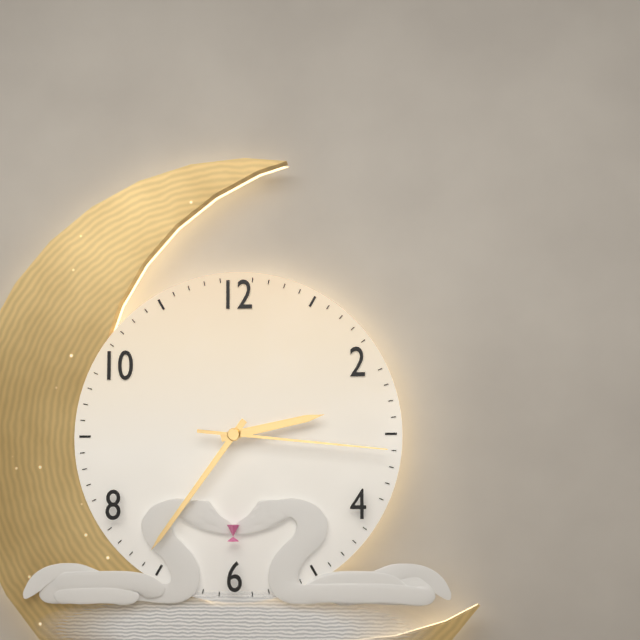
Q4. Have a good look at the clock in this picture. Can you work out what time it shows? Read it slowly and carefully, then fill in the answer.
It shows 2:36:16
